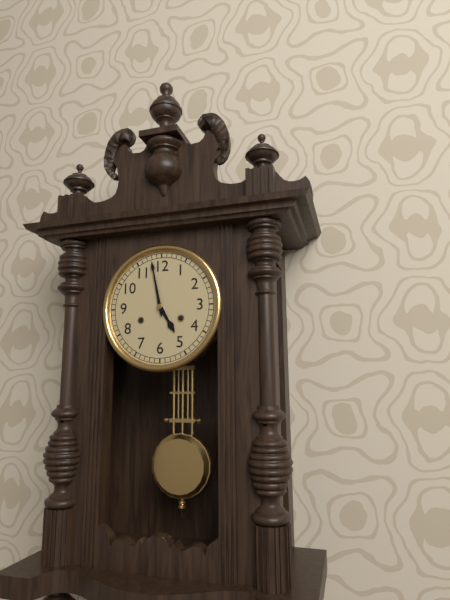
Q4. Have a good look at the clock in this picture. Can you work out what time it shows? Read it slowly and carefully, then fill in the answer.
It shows 4:58
